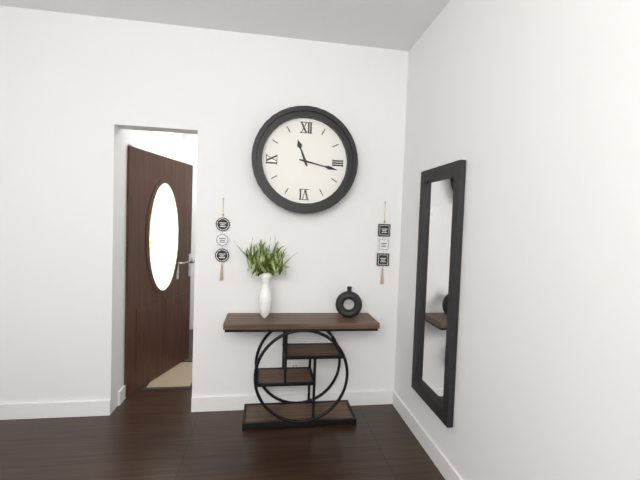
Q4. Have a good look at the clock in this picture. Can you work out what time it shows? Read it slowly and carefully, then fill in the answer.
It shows 11:17
